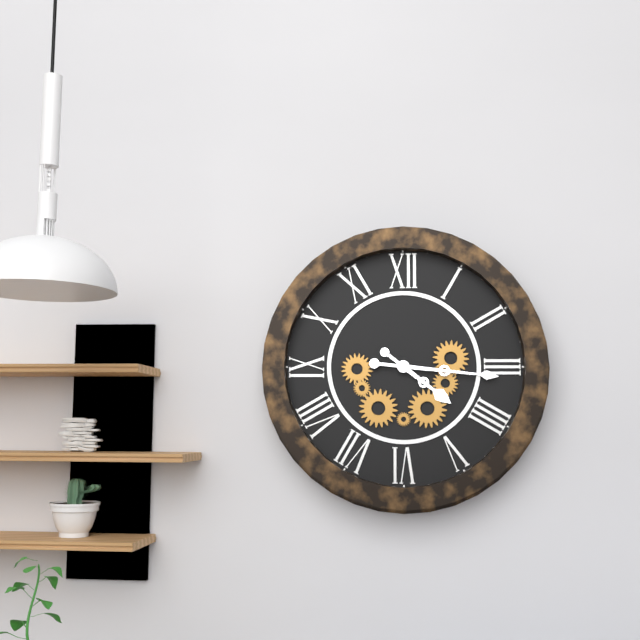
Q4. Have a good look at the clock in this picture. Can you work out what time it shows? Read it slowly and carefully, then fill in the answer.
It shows 4:16
